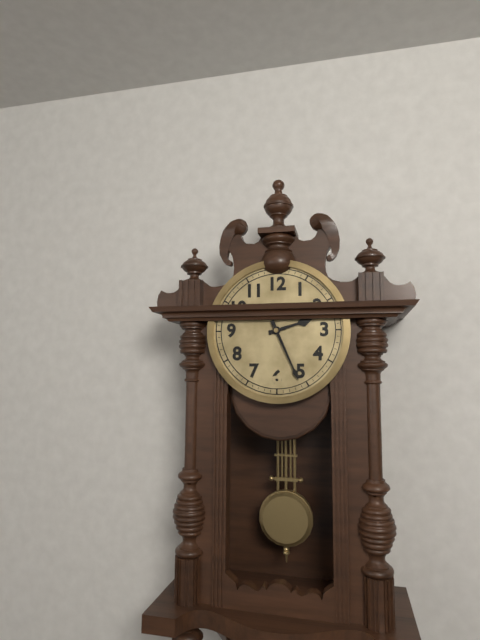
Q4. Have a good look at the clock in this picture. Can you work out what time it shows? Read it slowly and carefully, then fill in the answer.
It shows 2:26
